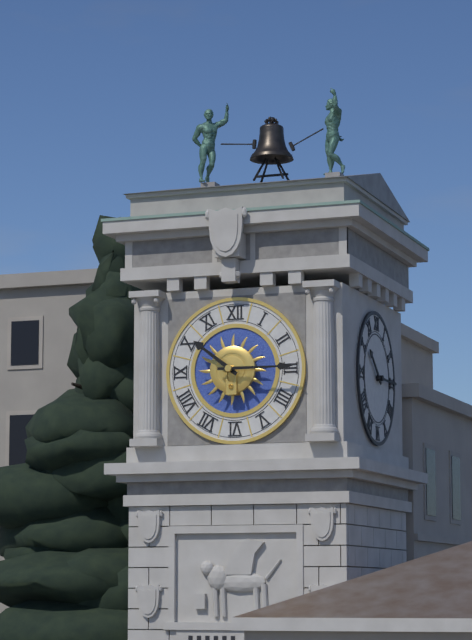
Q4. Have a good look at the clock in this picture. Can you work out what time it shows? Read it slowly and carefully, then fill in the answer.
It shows 10:15
